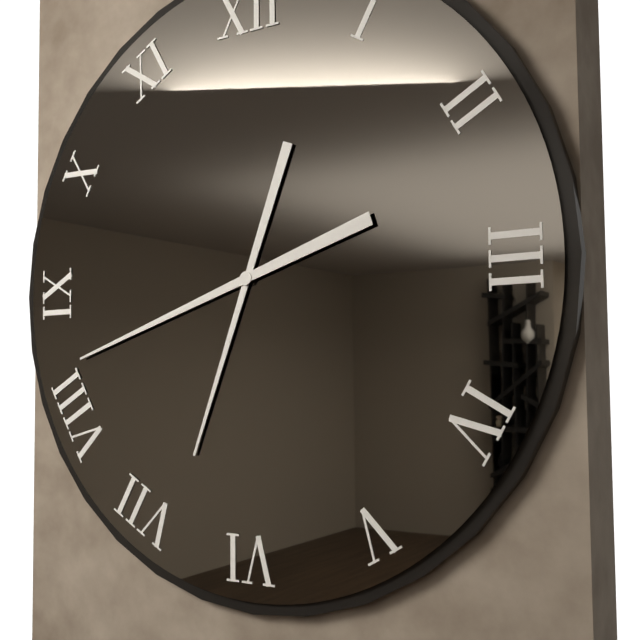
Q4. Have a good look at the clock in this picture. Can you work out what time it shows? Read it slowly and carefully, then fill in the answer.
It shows 6:42
